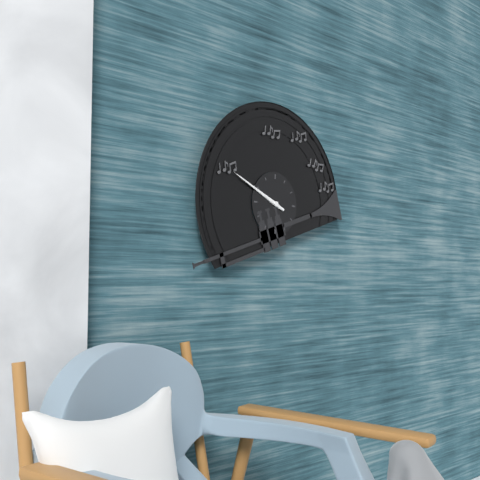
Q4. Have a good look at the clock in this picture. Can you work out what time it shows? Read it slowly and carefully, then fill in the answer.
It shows 9:49
